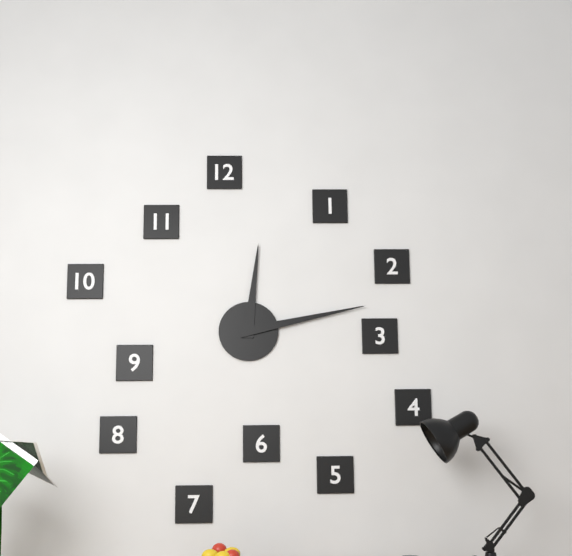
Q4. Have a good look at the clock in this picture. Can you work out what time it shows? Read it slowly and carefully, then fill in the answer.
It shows 12:13
